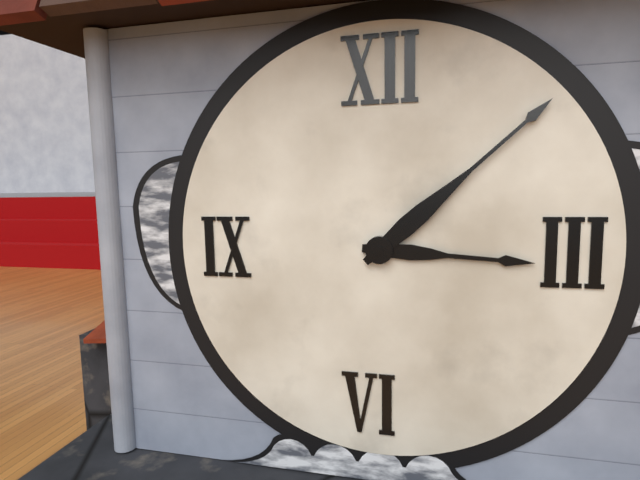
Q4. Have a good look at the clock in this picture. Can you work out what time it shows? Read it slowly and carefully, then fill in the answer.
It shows 3:08
